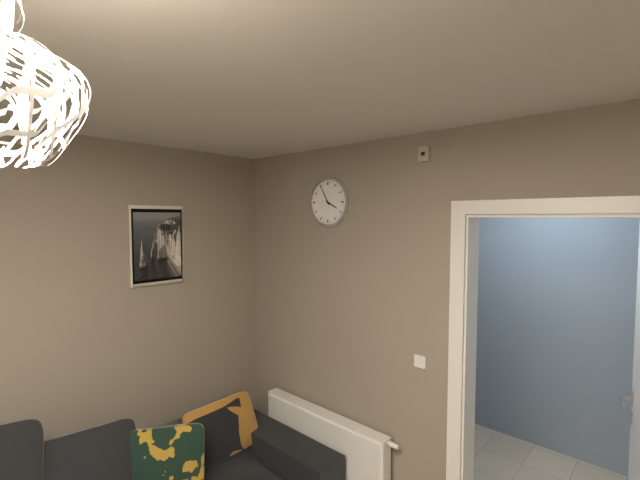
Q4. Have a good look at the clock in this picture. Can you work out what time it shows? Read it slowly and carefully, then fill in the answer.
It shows 3:55
